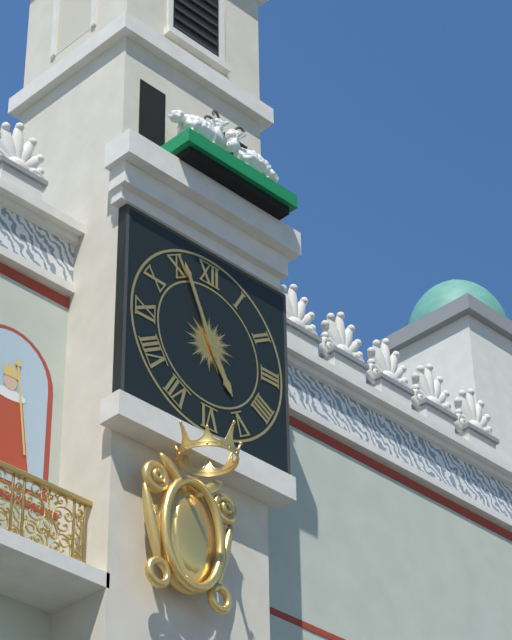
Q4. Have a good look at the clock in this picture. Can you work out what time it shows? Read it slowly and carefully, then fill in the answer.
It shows 4:56
